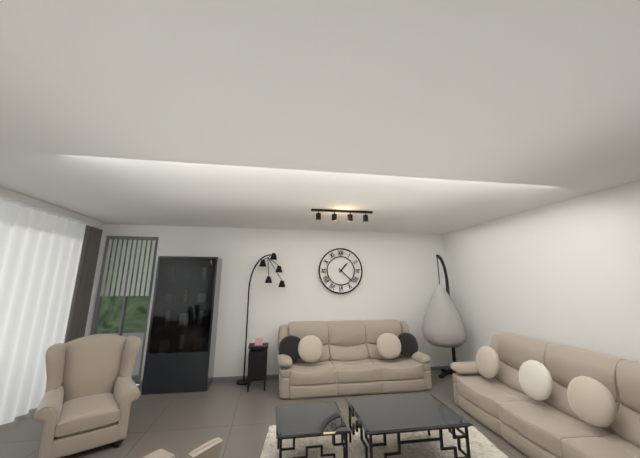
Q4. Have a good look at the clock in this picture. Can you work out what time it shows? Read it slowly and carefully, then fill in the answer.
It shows 1:22
